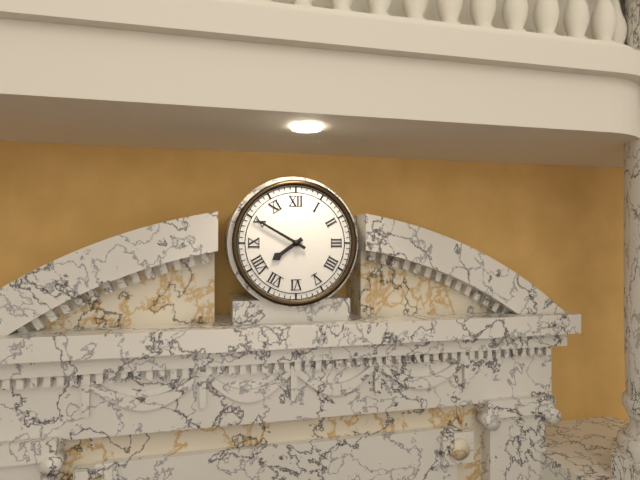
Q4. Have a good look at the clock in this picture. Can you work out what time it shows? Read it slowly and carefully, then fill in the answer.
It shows 7:50
